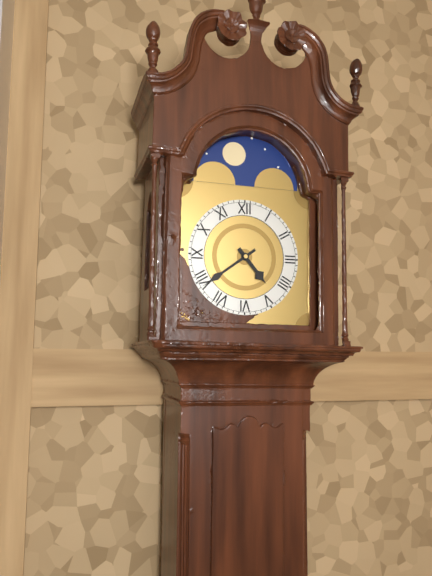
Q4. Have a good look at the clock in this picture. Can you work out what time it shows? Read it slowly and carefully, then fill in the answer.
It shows 4:39
